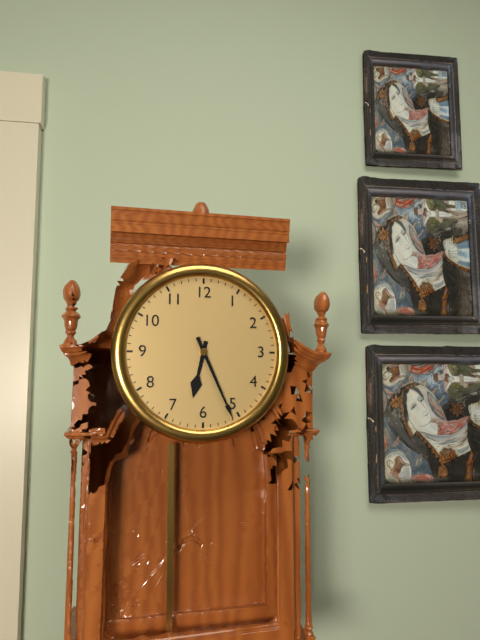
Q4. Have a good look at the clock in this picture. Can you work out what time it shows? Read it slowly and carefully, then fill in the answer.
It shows 6:26
